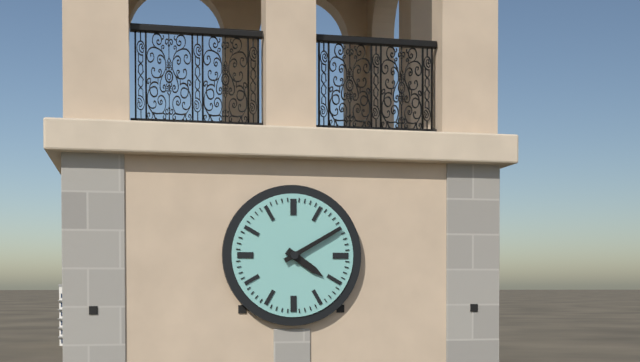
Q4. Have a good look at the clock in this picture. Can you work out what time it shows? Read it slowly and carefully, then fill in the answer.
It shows 4:10
